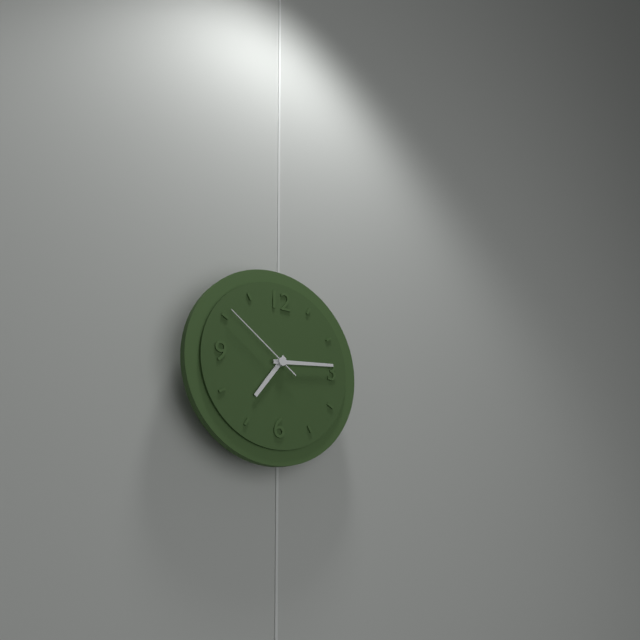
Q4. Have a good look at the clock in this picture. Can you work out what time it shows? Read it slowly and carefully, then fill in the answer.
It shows 7:14:51
